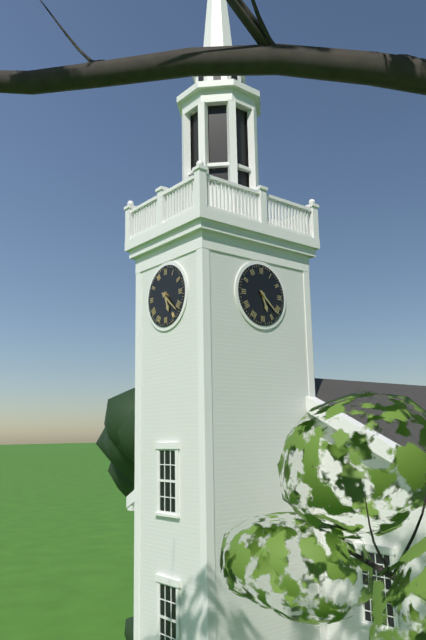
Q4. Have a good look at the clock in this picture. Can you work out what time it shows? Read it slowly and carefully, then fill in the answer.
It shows 5:22
